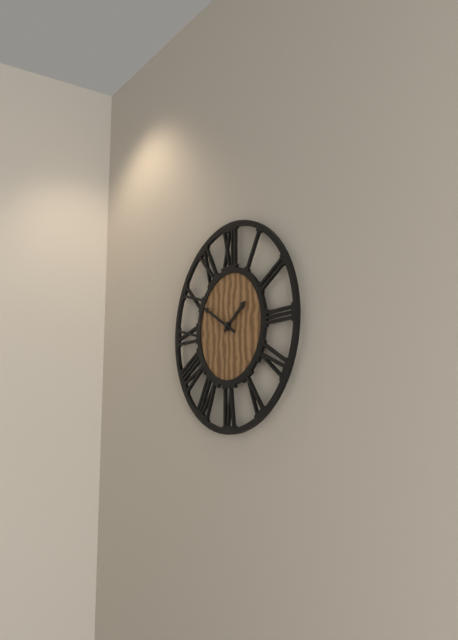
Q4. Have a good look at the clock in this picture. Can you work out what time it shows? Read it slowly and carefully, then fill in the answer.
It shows 1:50
